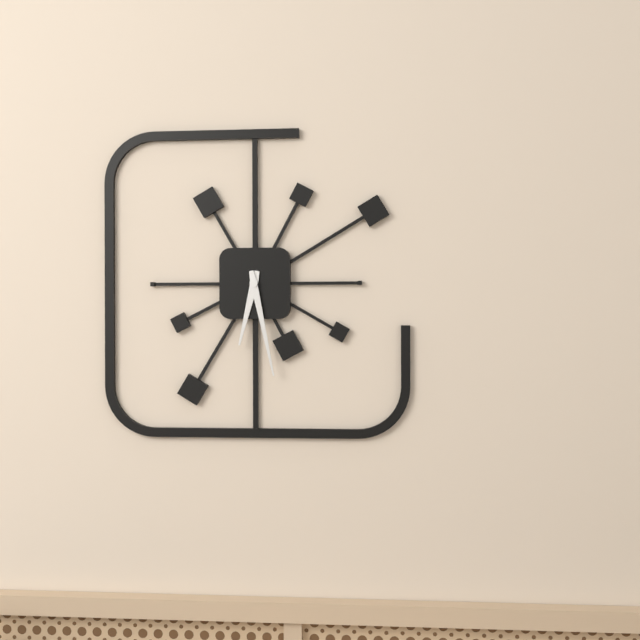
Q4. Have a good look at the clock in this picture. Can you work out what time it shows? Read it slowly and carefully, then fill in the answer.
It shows 6:28
